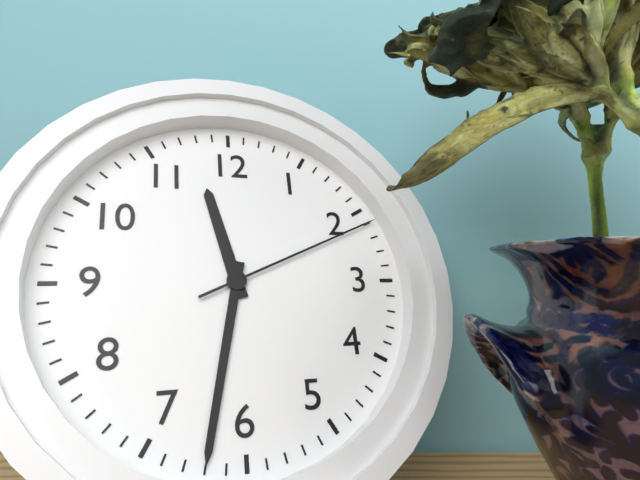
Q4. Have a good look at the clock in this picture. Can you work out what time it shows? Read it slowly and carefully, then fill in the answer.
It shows 11:32:11
